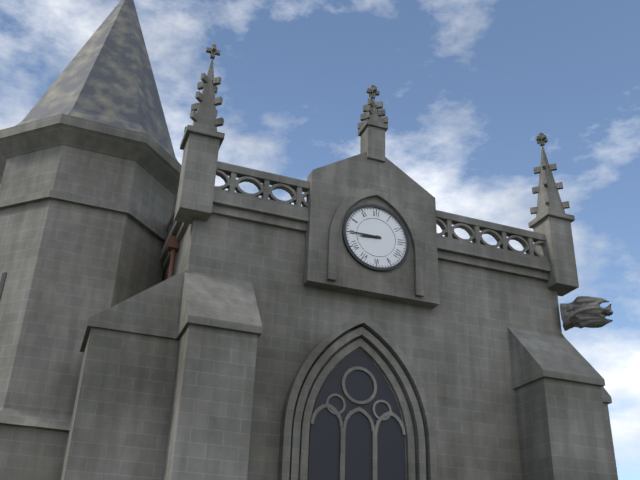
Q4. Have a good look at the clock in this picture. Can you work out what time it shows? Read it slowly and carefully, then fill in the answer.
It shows 8:45
